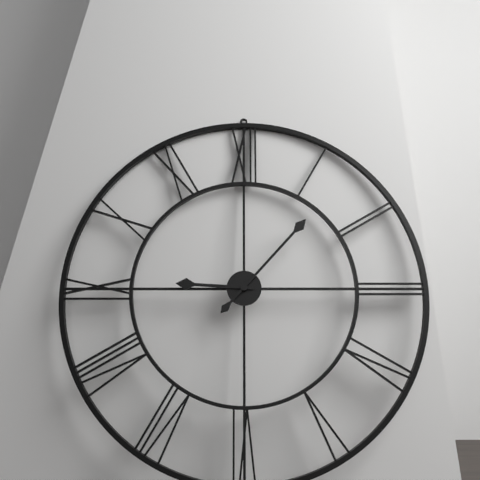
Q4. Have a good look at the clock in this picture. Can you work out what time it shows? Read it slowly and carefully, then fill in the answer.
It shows 9:07
